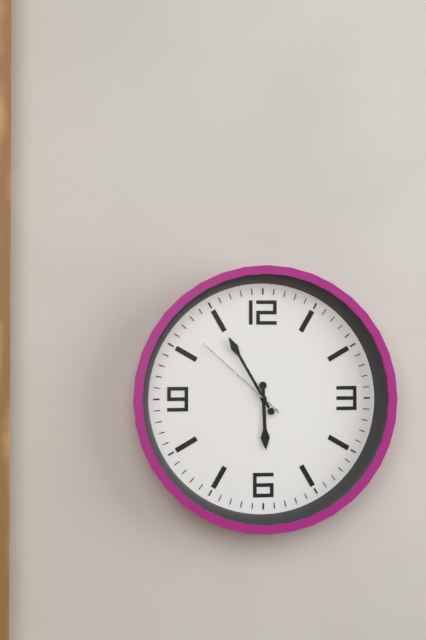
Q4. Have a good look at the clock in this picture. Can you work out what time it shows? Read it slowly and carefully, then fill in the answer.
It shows 5:55:52
